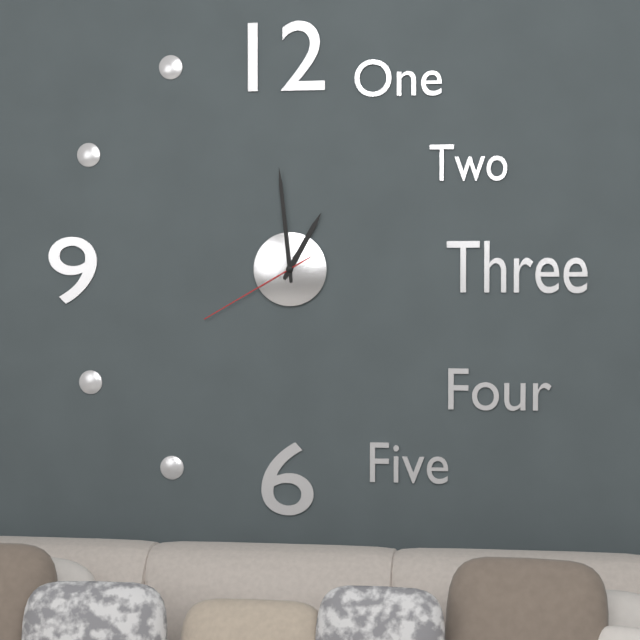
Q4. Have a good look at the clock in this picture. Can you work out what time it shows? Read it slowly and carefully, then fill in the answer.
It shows 12:59:40
